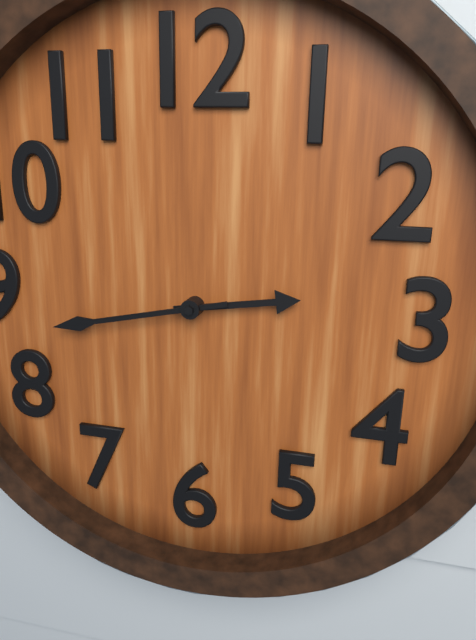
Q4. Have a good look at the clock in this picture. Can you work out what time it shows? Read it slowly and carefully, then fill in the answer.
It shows 2:43
